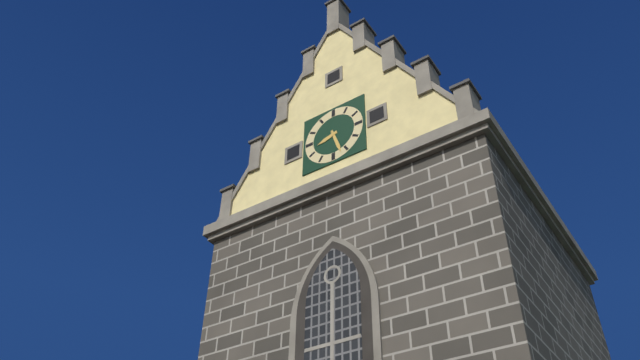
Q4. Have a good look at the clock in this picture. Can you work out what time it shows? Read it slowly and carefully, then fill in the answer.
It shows 8:27
